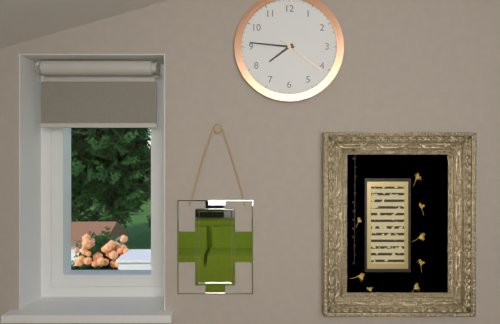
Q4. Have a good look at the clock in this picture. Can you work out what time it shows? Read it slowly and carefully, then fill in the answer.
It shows 7:46:21
